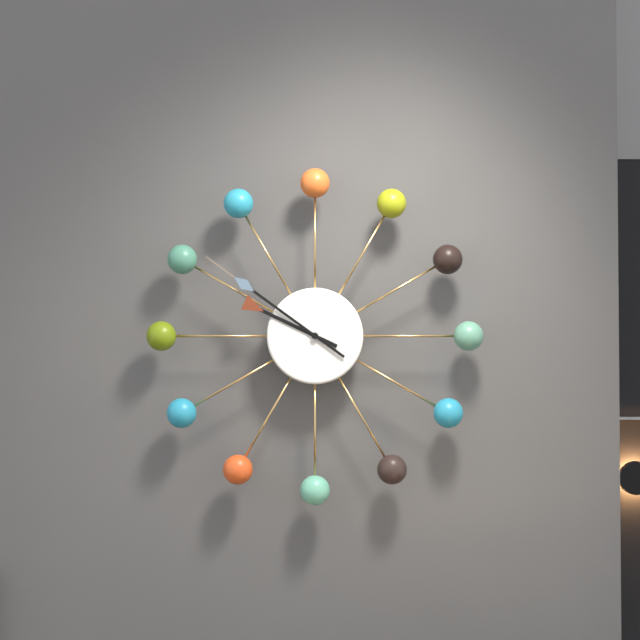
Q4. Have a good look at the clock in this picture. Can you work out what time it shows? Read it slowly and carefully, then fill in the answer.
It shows 9:51
